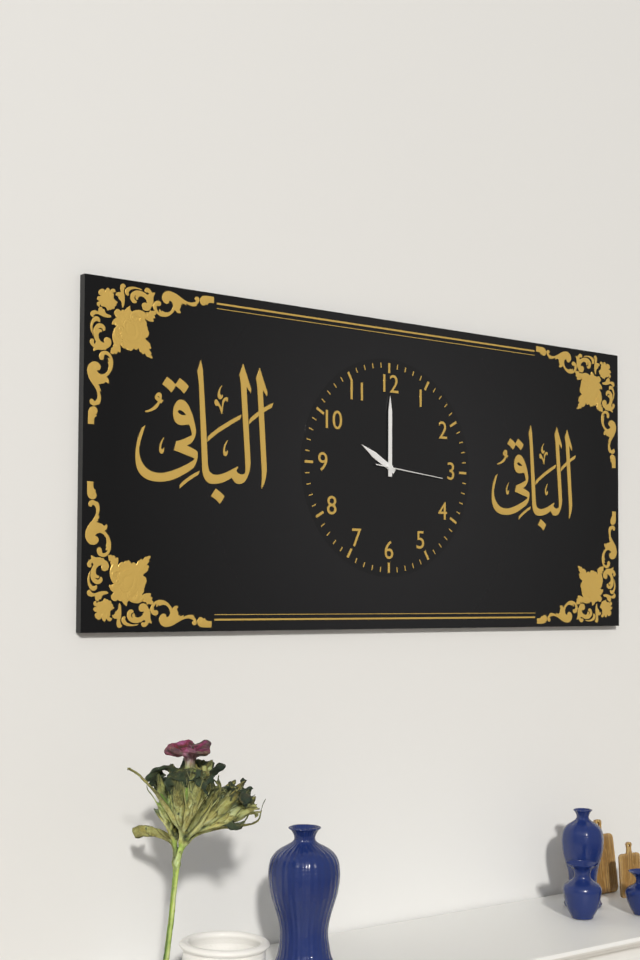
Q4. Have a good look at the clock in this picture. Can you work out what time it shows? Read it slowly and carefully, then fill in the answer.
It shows 10:00:16
